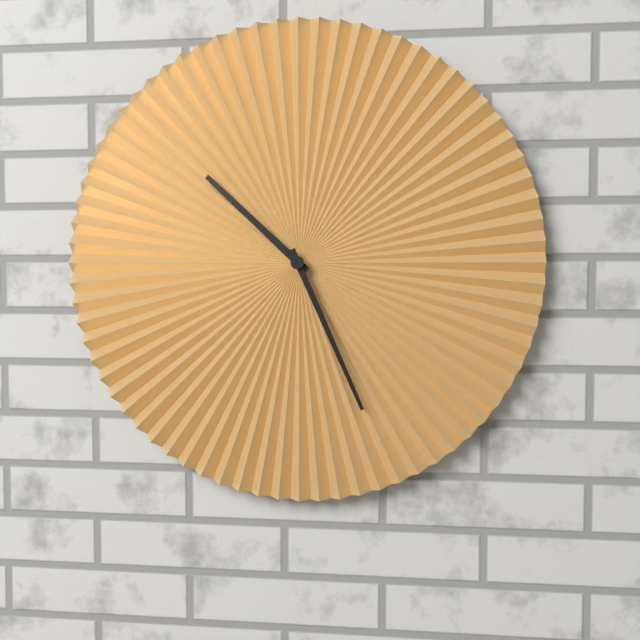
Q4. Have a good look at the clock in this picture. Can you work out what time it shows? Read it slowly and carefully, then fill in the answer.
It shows 10:26
